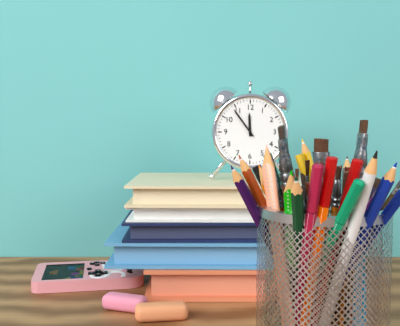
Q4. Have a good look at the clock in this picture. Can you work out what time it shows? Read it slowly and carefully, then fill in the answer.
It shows 11:54
